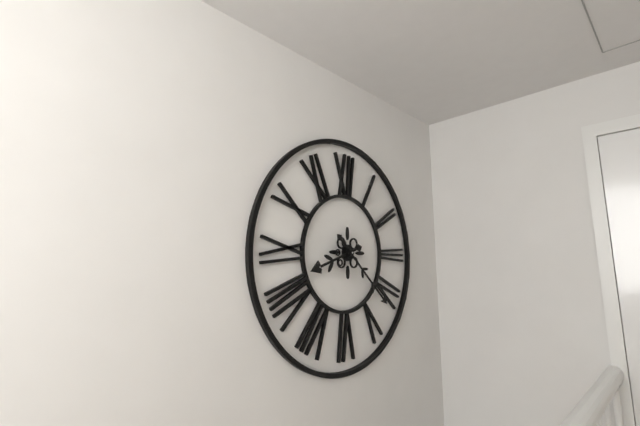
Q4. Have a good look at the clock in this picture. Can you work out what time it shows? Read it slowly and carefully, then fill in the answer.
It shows 8:22
